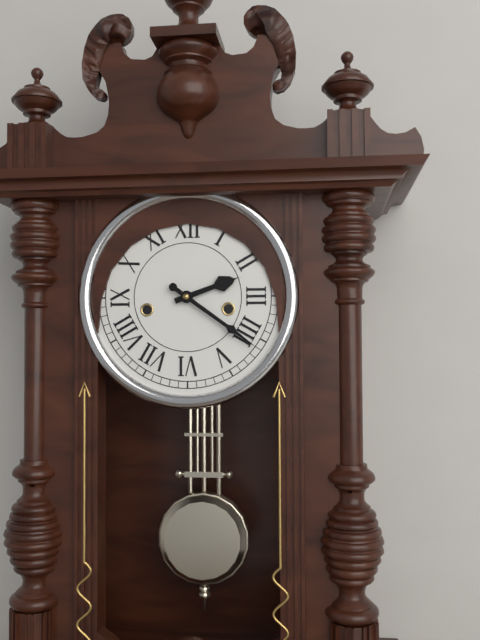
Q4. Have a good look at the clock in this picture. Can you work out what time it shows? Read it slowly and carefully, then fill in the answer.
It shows 2:21
